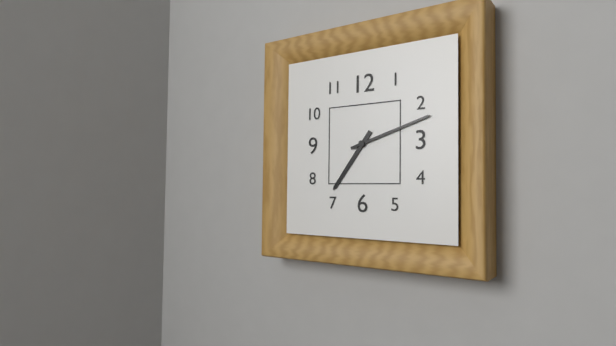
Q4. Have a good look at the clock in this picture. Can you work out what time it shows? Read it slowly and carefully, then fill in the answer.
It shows 7:12
